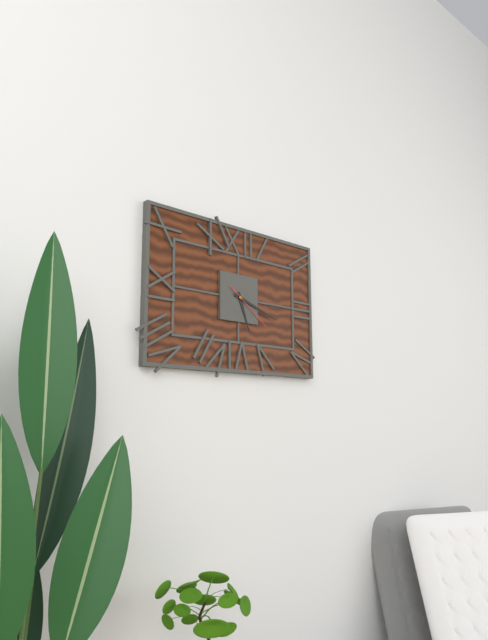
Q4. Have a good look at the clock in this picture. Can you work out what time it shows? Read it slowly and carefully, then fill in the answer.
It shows 5:18:21
